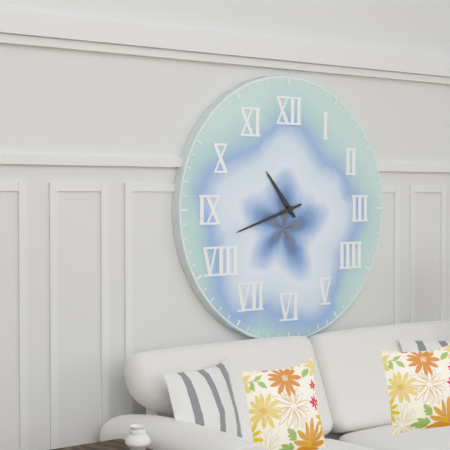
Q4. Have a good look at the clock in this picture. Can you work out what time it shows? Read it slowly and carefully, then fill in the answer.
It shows 10:42
